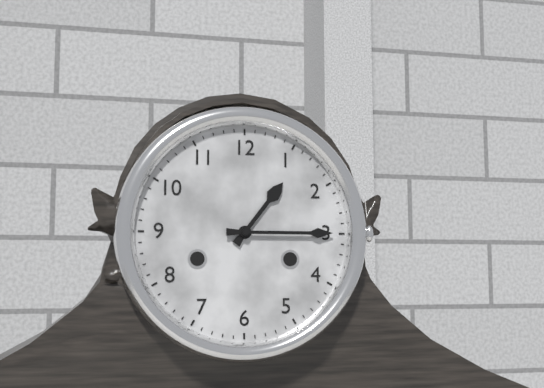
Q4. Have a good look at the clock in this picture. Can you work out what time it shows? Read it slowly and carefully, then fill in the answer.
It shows 1:15
